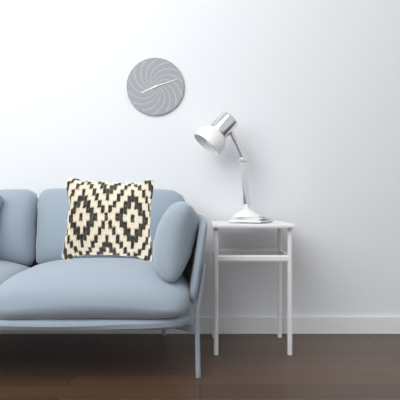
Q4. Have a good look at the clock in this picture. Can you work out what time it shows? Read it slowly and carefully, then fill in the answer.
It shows 8:12
